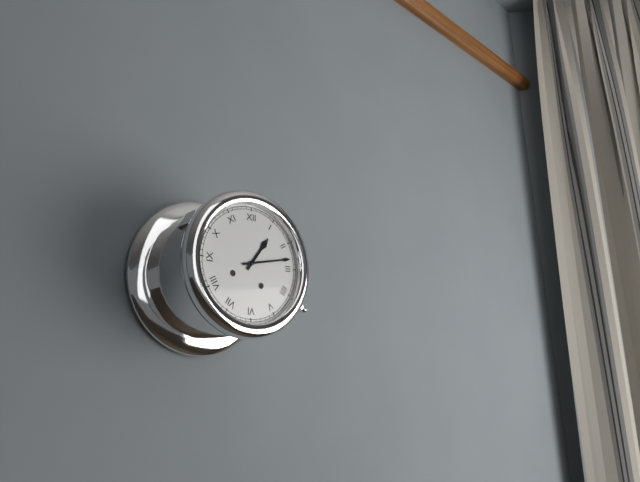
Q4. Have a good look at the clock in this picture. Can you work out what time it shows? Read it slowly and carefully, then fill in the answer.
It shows 1:13
